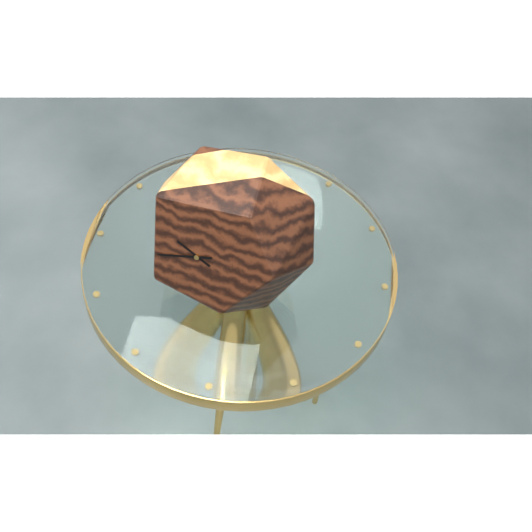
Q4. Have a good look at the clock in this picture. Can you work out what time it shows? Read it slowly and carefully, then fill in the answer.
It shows 9:42
